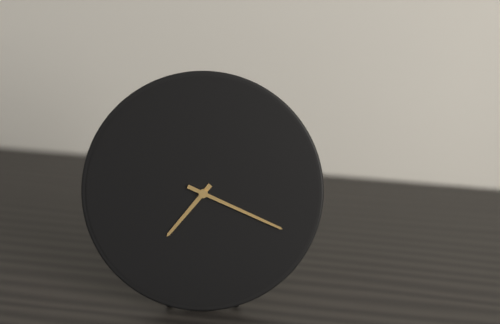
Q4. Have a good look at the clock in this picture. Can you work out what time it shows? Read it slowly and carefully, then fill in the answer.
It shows 7:19
